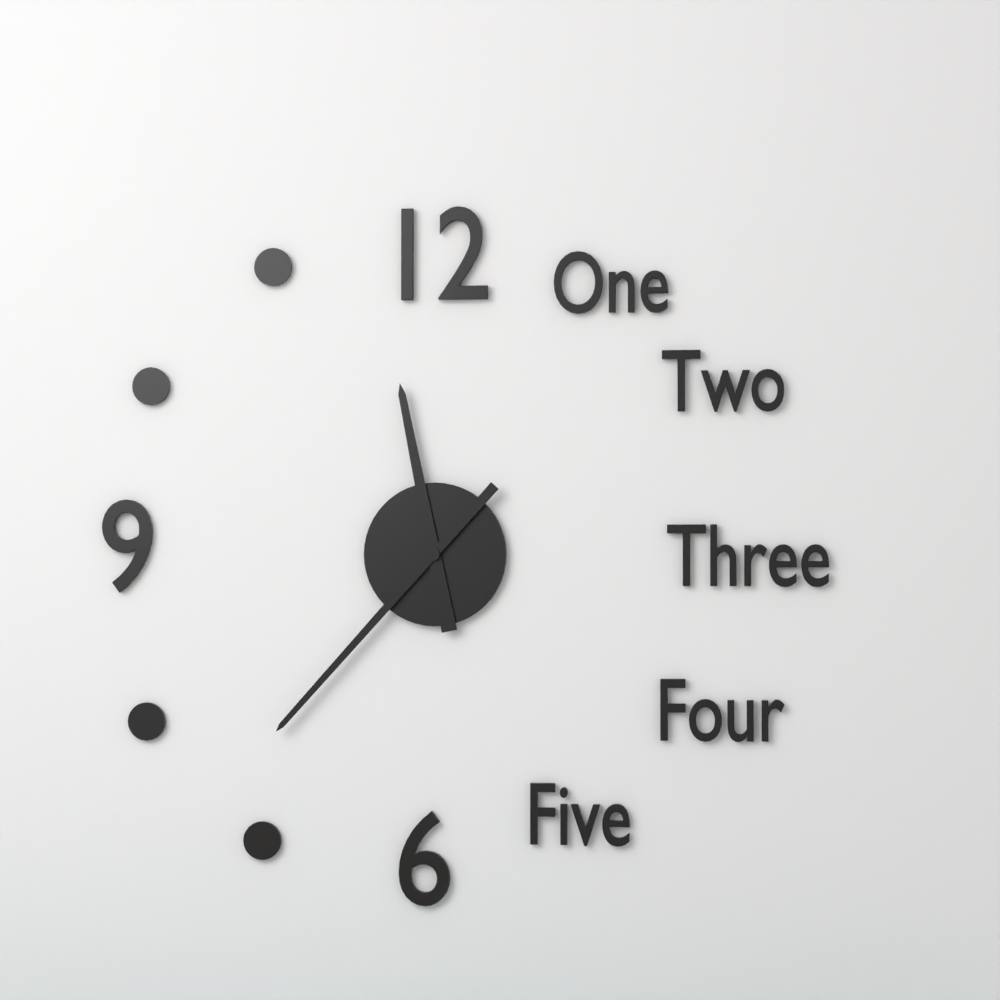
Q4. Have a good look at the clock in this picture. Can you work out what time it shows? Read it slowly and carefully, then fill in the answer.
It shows 11:37
